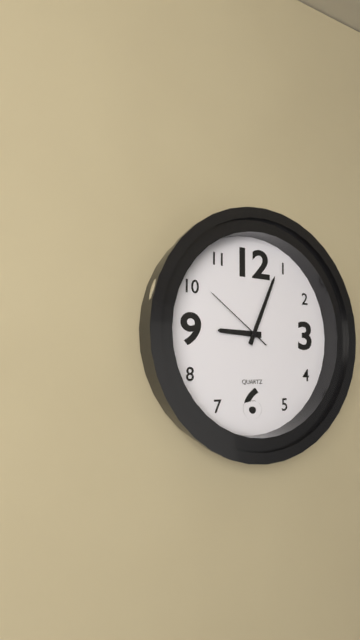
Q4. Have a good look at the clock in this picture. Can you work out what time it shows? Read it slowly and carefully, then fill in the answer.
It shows 9:04:51
